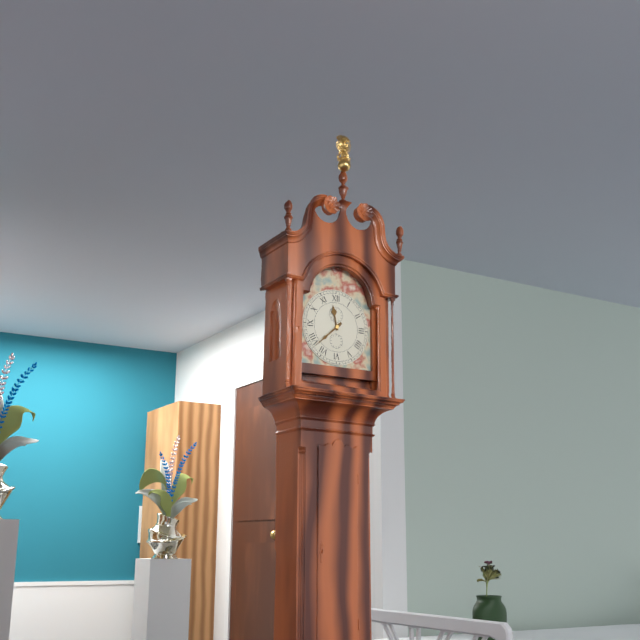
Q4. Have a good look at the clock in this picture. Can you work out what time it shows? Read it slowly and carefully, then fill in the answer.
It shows 11:38
